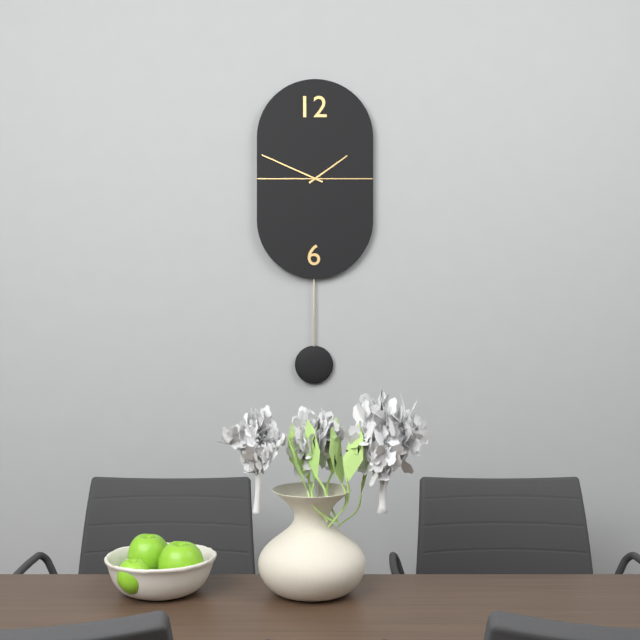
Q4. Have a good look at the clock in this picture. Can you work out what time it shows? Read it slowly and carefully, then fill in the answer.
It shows 1:49
